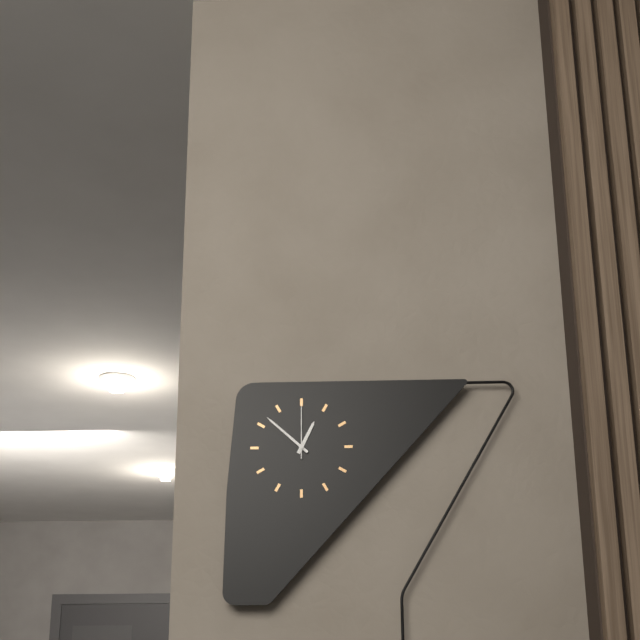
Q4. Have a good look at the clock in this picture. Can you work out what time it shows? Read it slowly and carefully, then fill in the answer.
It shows 12:52:00
